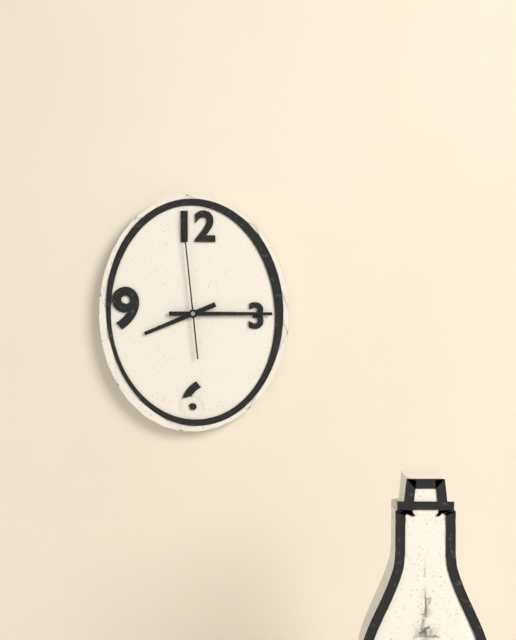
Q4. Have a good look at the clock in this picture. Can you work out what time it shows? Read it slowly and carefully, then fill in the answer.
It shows 8:15:59
